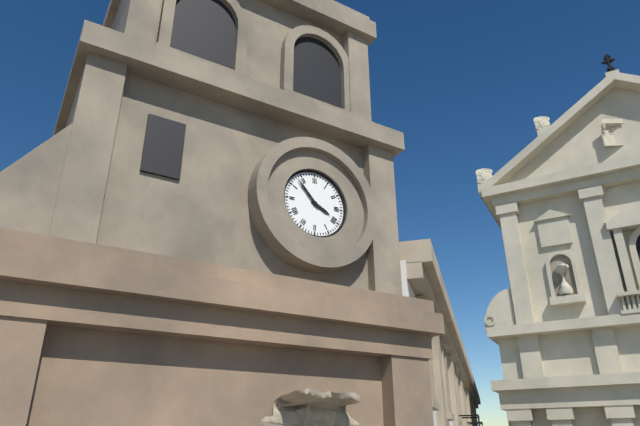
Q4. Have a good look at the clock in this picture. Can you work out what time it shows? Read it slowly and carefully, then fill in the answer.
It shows 3:53
